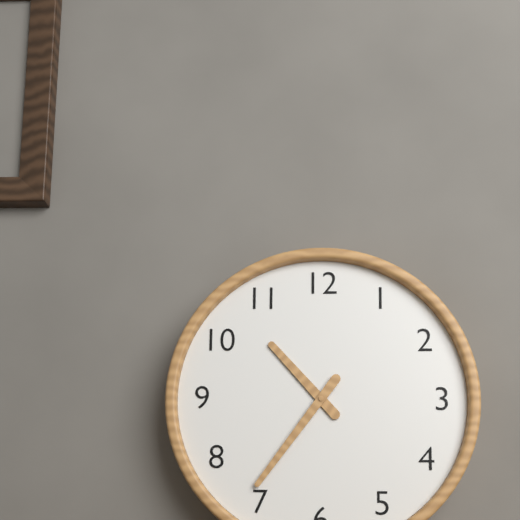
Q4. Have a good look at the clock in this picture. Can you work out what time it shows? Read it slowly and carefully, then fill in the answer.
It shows 10:36
